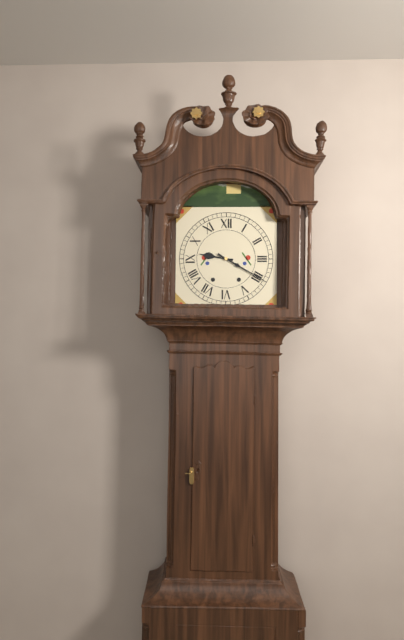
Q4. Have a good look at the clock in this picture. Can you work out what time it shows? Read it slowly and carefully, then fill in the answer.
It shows 9:20
